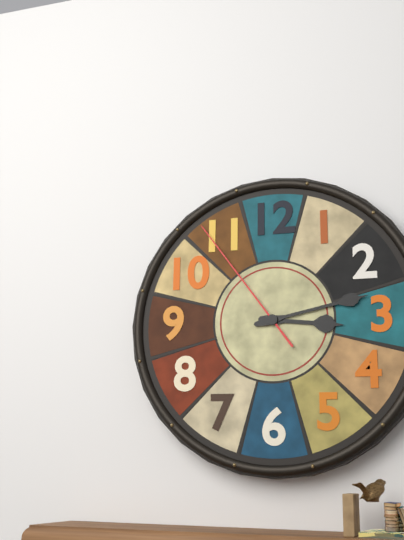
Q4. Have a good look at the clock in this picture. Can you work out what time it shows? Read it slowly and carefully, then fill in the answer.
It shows 3:13:54
